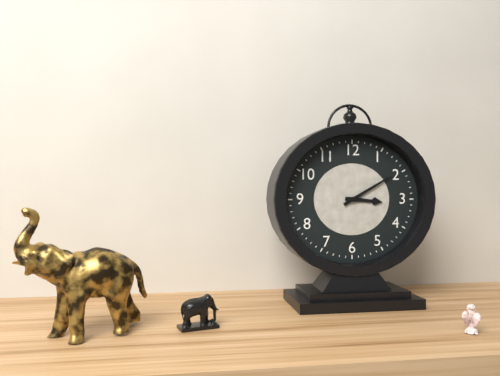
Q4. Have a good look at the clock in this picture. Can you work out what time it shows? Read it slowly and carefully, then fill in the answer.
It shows 3:10
